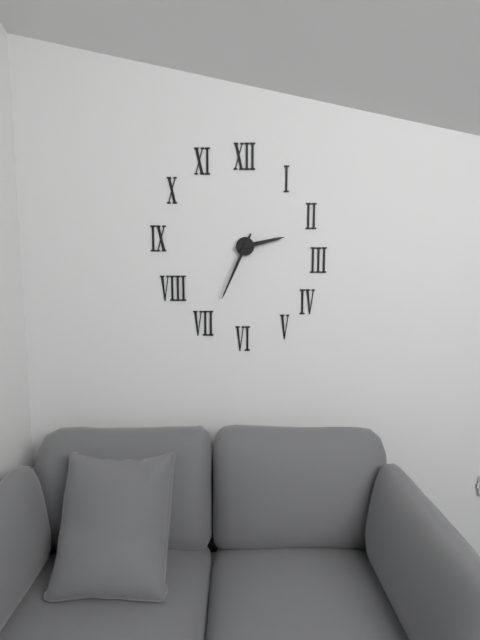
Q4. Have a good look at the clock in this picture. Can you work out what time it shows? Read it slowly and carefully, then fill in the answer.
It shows 2:34
